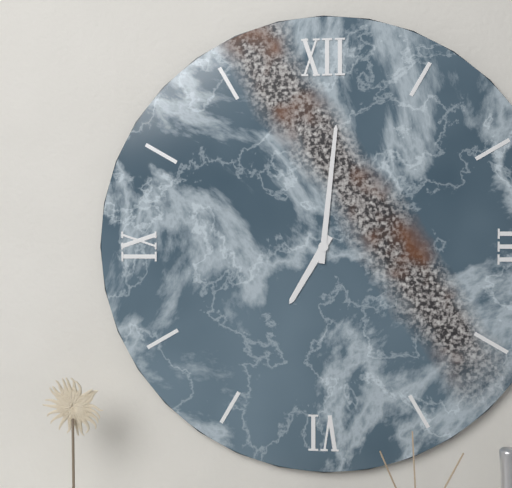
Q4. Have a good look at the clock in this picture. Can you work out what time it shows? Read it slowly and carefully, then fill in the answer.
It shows 7:01
